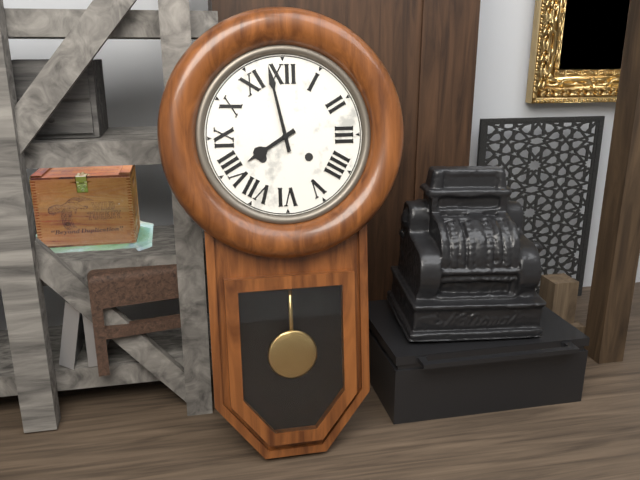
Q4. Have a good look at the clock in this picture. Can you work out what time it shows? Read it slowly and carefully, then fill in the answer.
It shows 7:58
